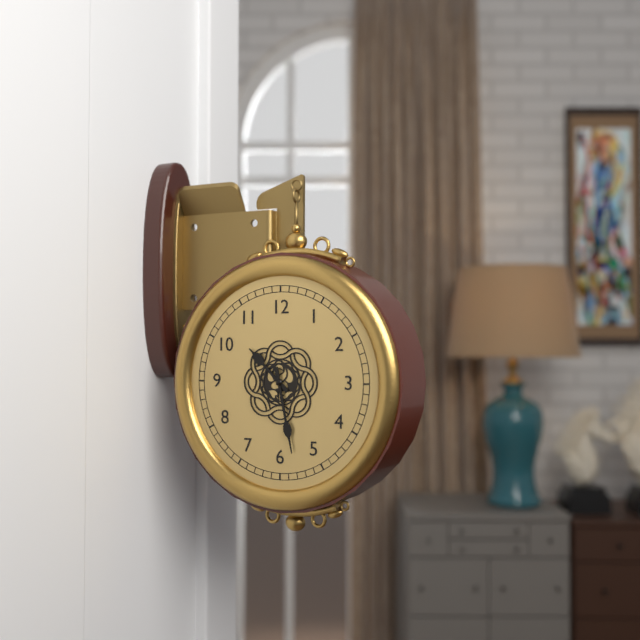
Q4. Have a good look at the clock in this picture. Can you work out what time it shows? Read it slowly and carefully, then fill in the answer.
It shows 10:28
